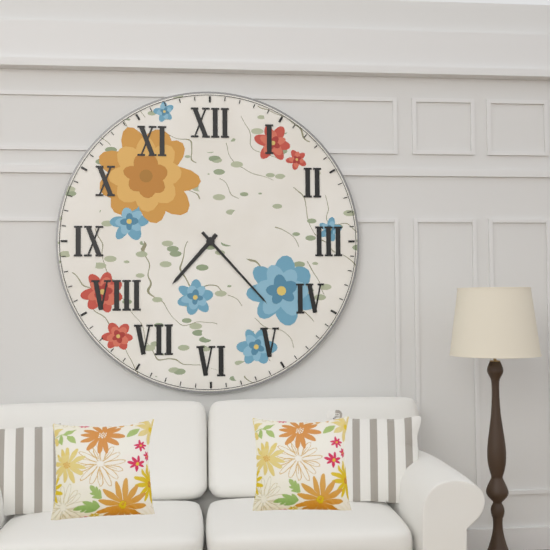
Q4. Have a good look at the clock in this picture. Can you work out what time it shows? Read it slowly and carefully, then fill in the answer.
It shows 7:23
